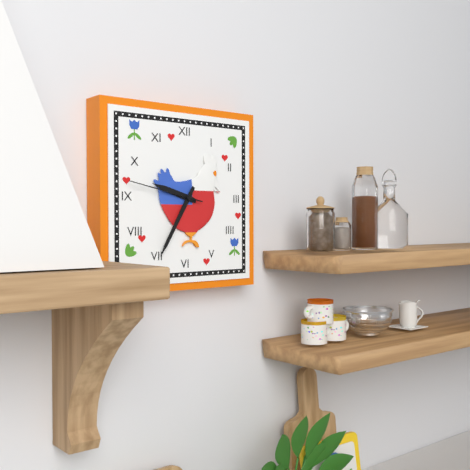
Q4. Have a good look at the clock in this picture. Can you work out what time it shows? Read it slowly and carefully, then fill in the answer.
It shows 9:35:47
